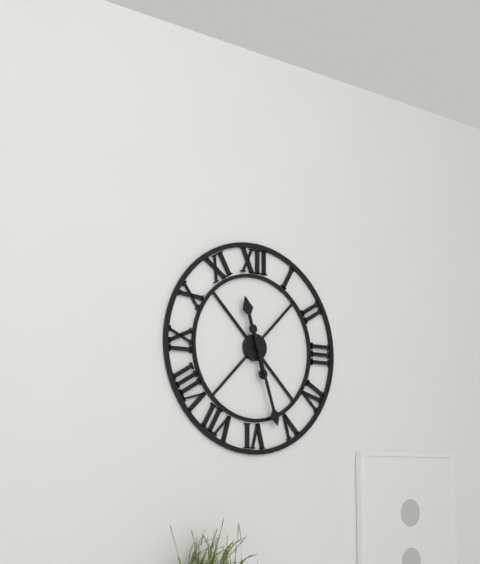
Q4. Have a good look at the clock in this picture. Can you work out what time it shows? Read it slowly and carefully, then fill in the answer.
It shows 11:27
